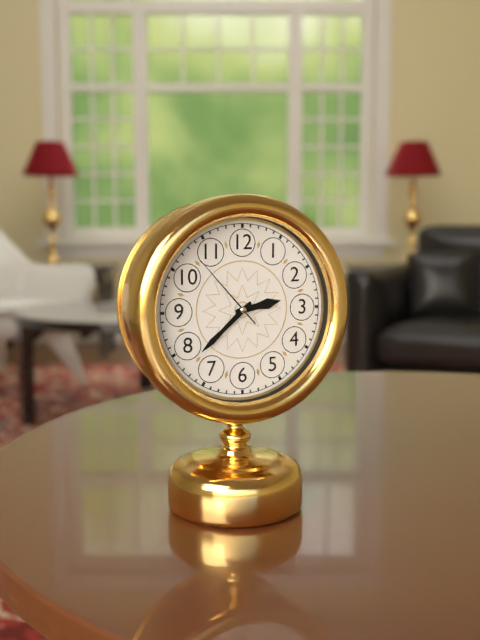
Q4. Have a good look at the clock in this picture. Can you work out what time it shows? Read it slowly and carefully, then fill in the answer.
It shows 2:38:53
